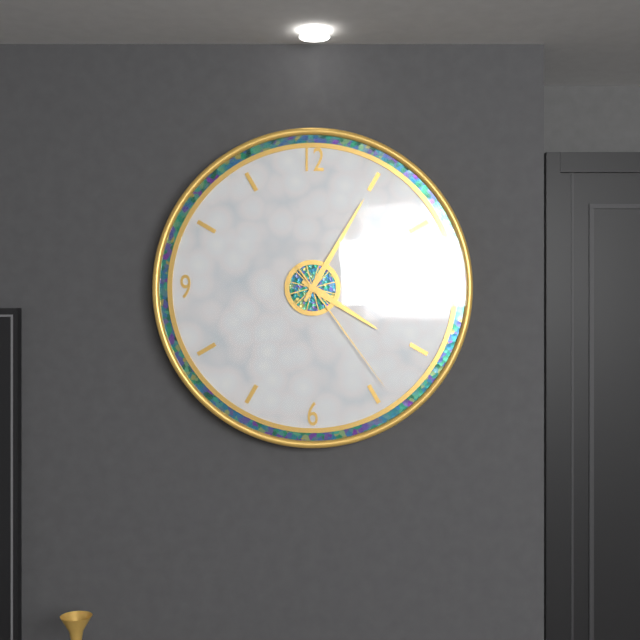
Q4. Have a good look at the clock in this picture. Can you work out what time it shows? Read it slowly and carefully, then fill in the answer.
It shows 4:05:24
